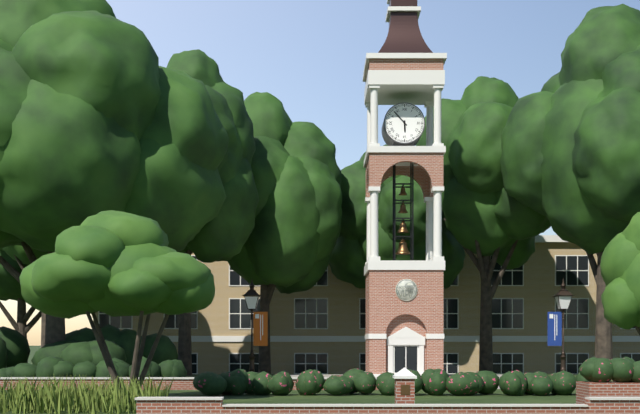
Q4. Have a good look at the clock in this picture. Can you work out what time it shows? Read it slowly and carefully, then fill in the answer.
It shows 5:53
